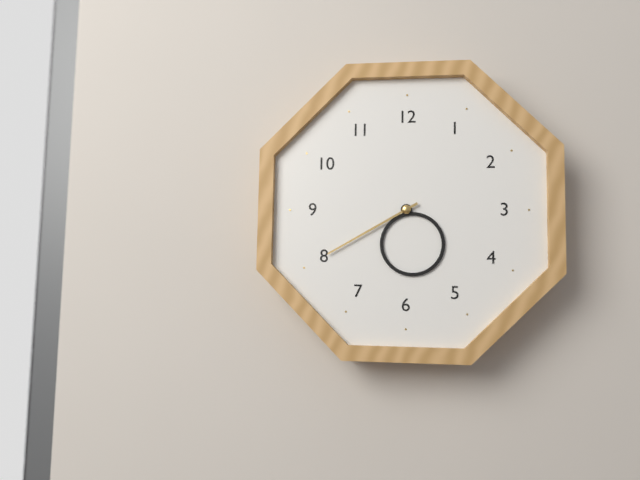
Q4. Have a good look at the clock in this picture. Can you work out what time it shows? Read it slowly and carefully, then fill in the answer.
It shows 5:40
